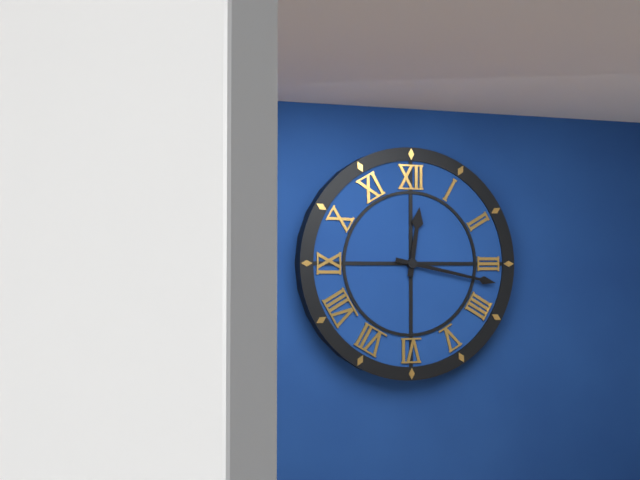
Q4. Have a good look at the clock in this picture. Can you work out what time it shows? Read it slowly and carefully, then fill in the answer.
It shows 12:17
